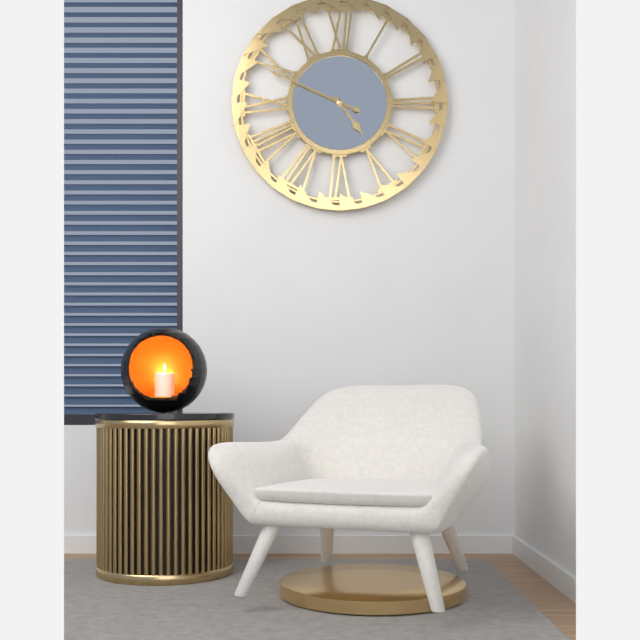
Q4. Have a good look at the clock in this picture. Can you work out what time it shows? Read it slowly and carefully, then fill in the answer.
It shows 4:49
